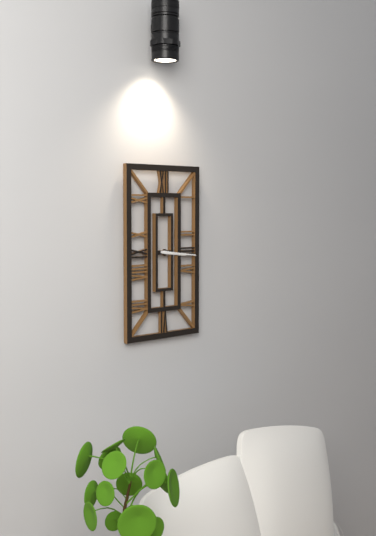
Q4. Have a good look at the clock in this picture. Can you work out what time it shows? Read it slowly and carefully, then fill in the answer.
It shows 3:16
